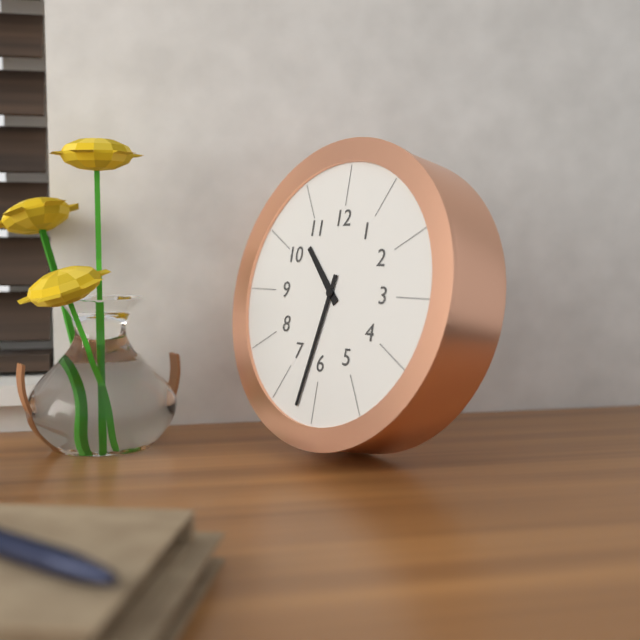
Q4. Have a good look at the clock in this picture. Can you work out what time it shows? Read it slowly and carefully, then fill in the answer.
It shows 10:32
